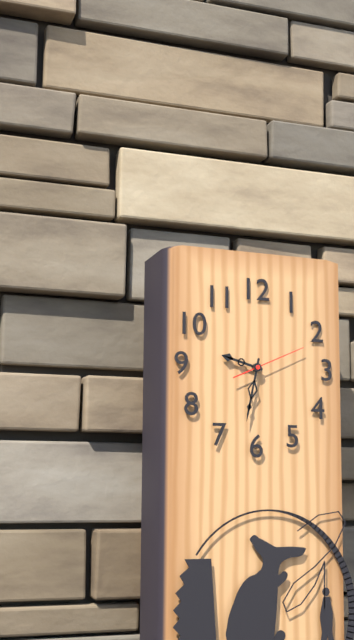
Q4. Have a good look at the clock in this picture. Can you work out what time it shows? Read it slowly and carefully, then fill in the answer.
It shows 9:32:11
